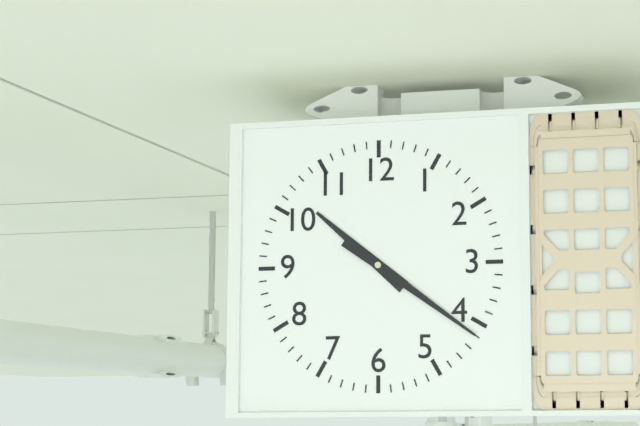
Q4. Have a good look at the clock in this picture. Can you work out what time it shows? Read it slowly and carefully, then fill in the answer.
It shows 10:21
